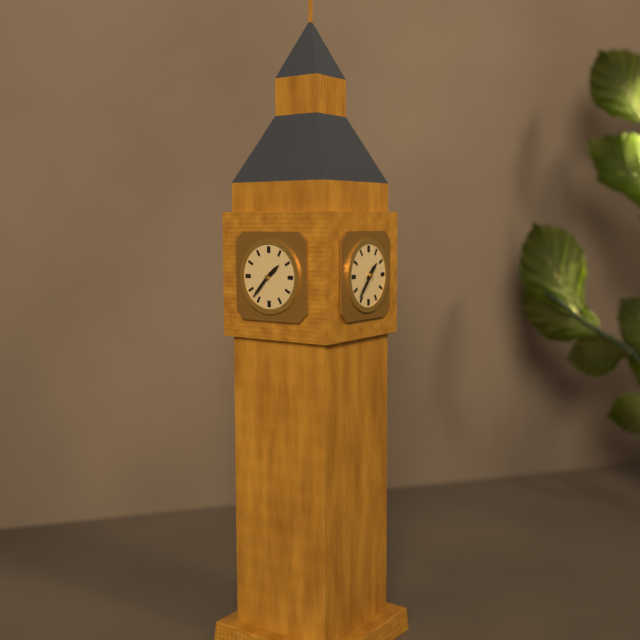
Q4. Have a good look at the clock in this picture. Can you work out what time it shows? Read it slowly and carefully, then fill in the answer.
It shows 1:37
